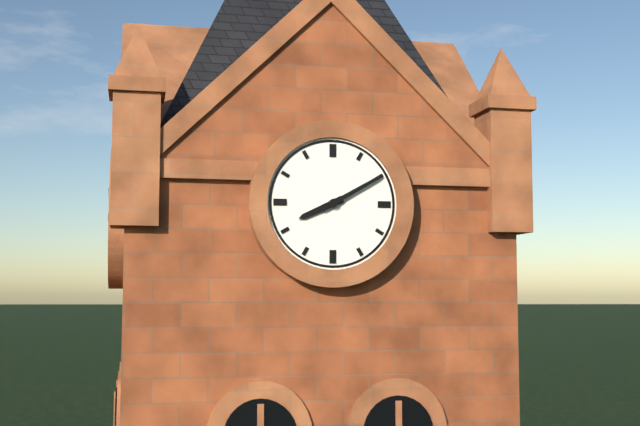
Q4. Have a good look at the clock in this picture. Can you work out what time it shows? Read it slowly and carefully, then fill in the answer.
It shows 8:10
